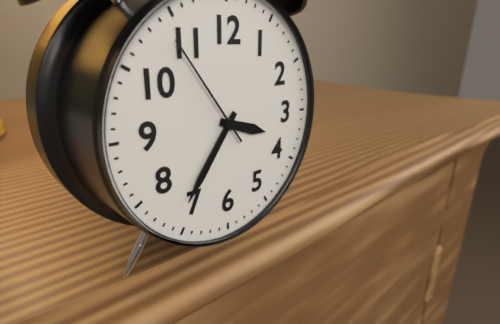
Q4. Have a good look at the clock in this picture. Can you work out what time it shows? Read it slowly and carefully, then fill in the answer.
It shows 3:36:54
